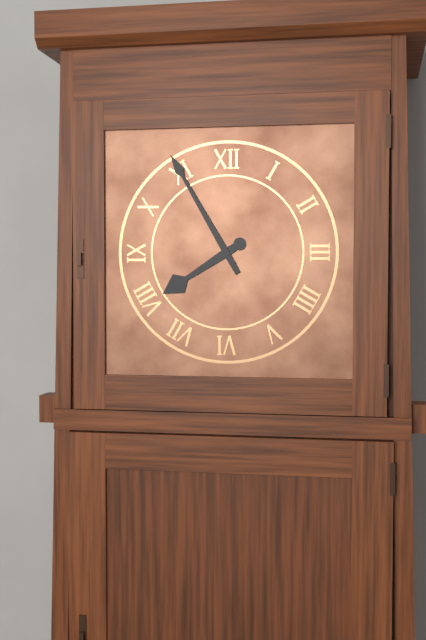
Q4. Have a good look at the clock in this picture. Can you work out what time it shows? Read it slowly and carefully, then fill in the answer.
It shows 7:55
